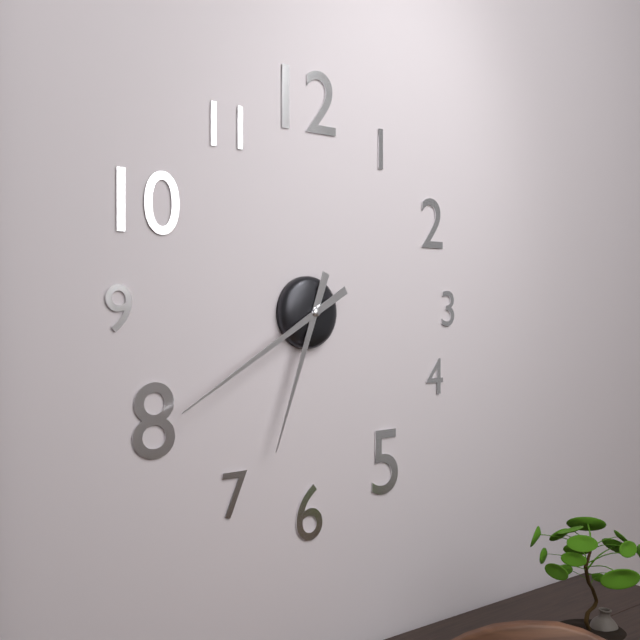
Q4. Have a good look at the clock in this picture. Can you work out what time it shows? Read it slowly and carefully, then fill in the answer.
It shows 6:40
